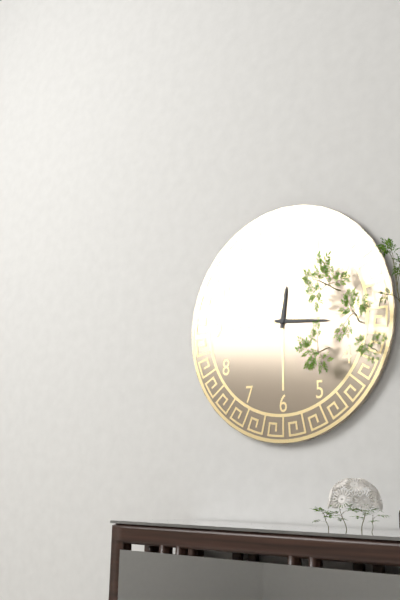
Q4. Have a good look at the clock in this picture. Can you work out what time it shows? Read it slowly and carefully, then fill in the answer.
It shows 12:16
